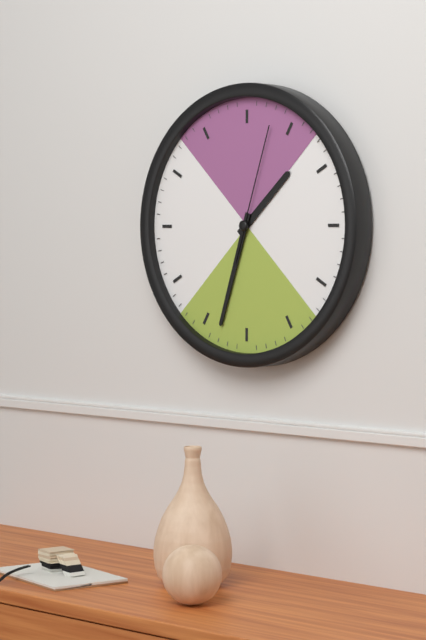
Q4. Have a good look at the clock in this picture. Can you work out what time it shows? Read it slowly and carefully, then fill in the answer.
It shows 1:33:03
